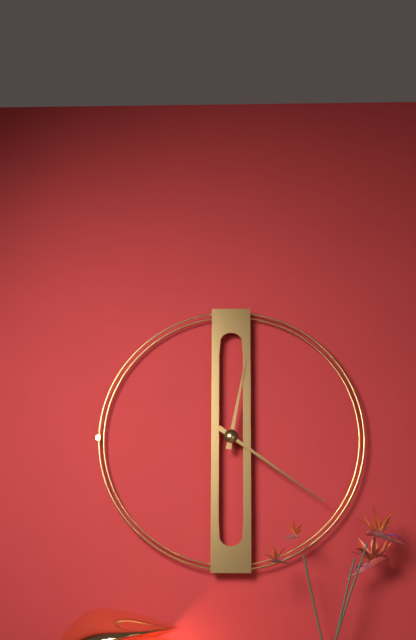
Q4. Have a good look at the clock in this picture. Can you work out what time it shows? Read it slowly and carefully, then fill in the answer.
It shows 12:21
